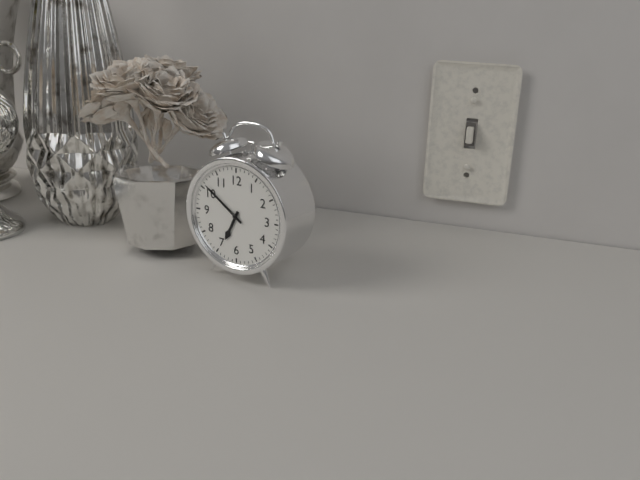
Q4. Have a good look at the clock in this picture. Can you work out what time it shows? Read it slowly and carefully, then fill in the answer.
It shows 6:51
